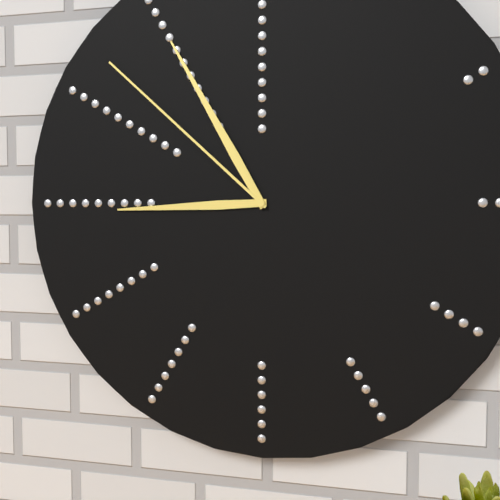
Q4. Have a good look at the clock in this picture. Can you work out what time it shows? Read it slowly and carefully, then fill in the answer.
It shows 8:55:52
